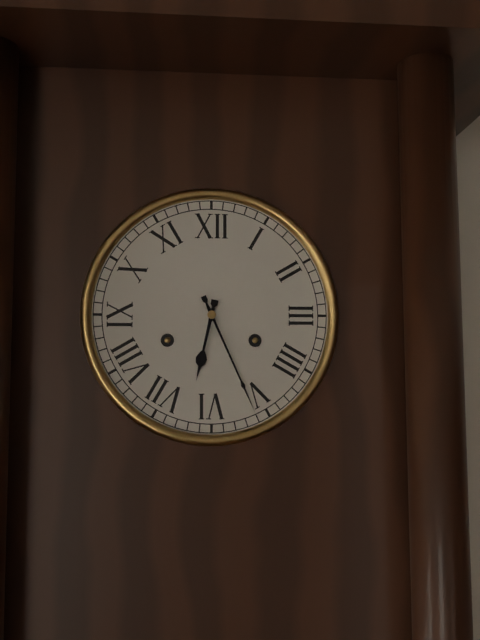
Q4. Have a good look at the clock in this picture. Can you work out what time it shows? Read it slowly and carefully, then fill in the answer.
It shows 6:26
